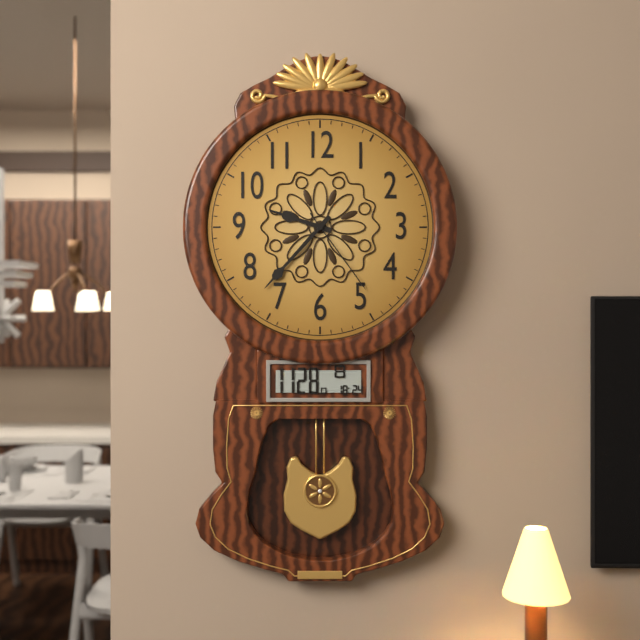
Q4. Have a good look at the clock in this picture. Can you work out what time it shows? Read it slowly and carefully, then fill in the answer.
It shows 9:37:24
